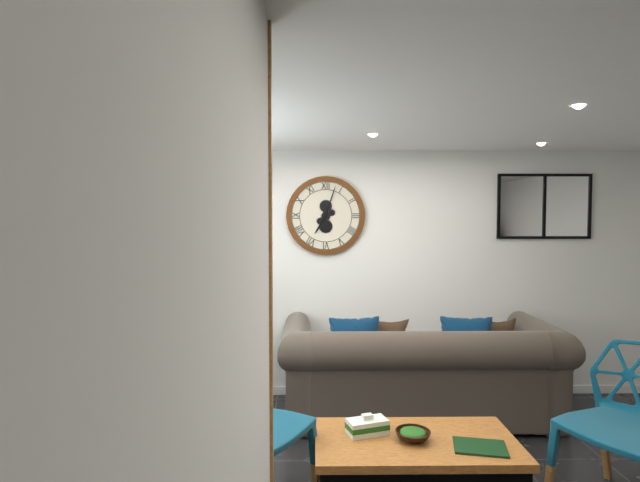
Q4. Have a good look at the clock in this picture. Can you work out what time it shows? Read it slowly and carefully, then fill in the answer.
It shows 7:03
